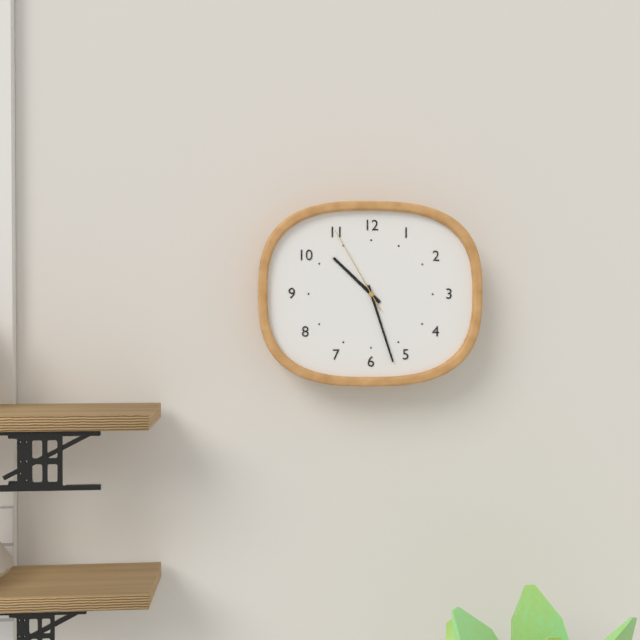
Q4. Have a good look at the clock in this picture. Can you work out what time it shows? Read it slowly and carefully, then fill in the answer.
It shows 10:27:55
